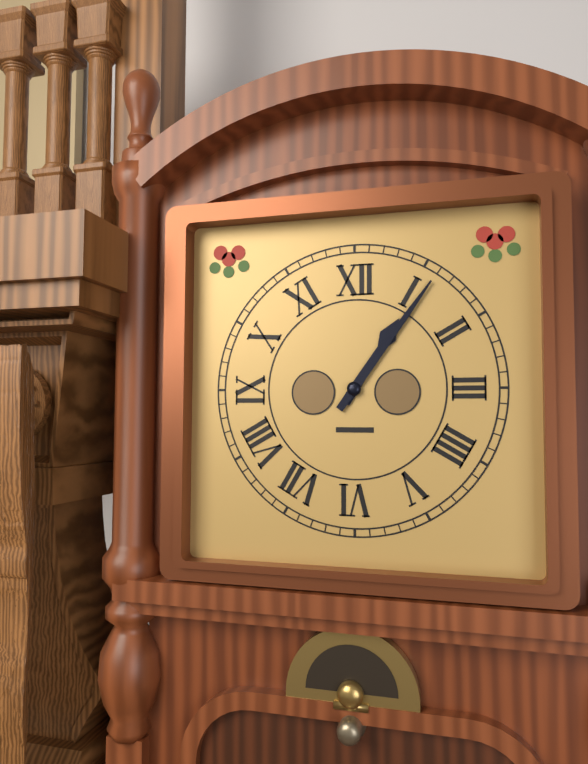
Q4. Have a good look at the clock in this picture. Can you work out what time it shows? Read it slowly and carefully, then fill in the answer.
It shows 1:06
